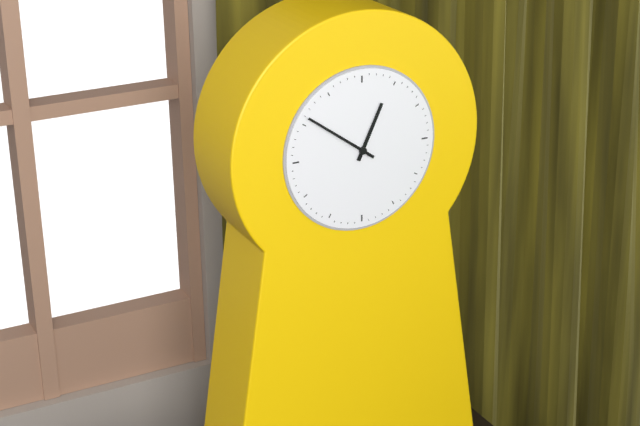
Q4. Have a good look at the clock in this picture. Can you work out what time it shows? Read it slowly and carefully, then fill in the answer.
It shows 12:51
